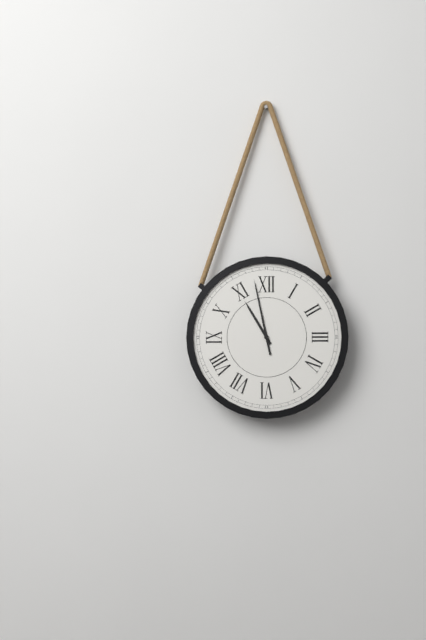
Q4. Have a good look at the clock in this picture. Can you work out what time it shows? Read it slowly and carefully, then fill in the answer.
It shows 10:58
